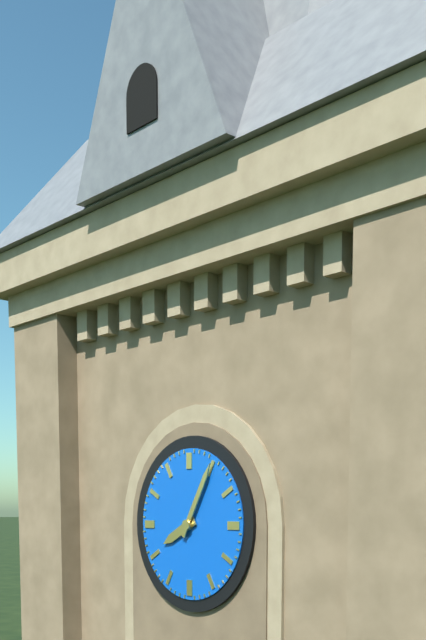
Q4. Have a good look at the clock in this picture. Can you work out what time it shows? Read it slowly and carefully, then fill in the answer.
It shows 8:05
